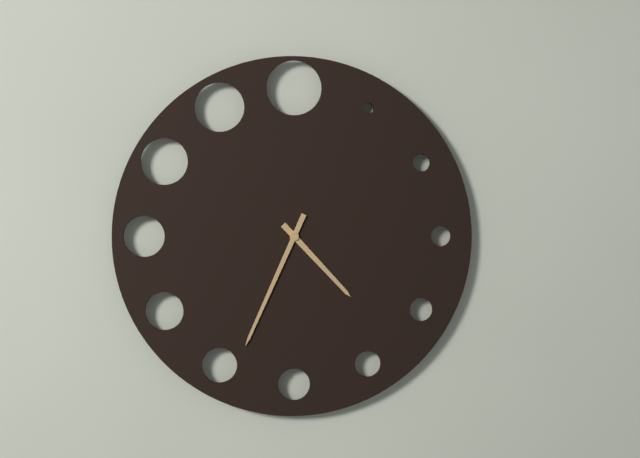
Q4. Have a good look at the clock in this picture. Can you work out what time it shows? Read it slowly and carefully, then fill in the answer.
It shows 4:34
